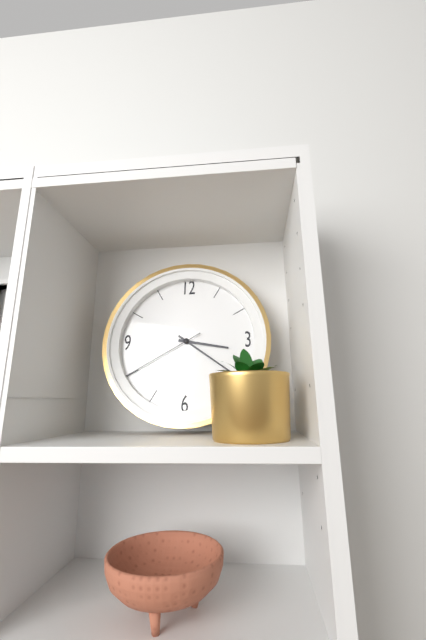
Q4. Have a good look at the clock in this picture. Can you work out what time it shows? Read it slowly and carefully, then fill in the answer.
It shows 3:21:40
